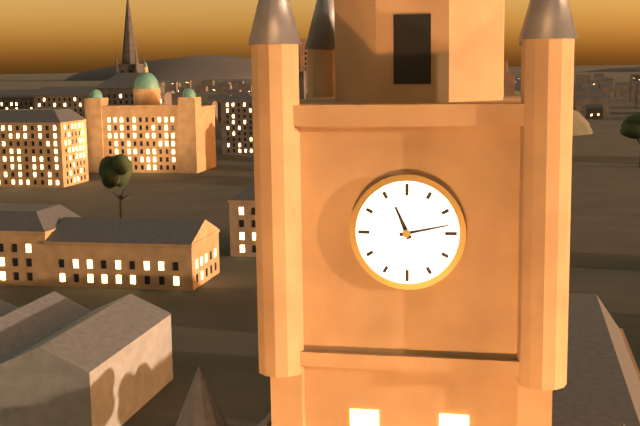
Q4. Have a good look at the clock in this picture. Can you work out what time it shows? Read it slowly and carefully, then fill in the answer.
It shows 11:13
